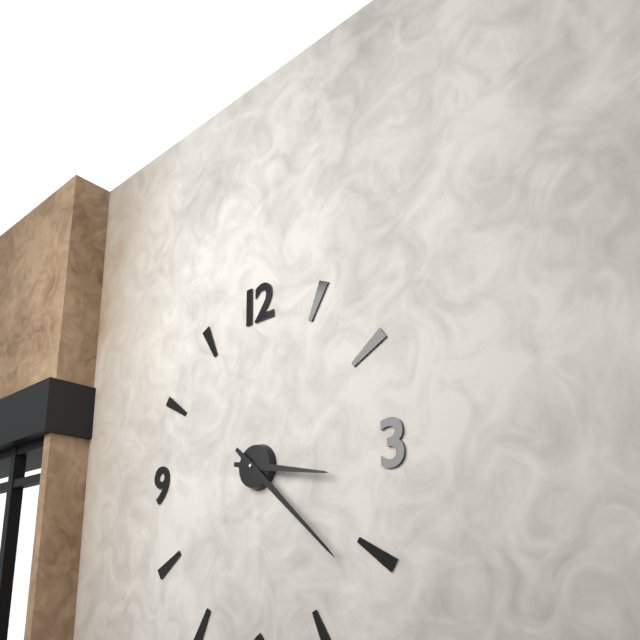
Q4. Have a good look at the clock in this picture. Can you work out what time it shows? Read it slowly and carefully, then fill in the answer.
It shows 3:22
